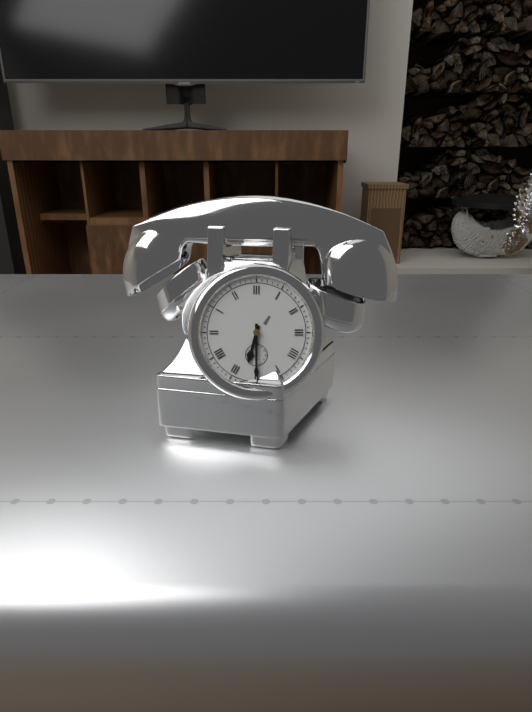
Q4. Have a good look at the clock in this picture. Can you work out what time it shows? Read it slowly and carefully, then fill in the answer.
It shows 6:30
